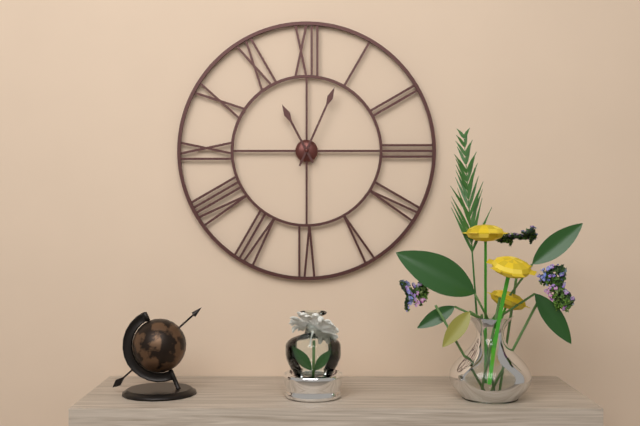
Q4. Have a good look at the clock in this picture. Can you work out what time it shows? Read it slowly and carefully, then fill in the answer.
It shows 11:04
